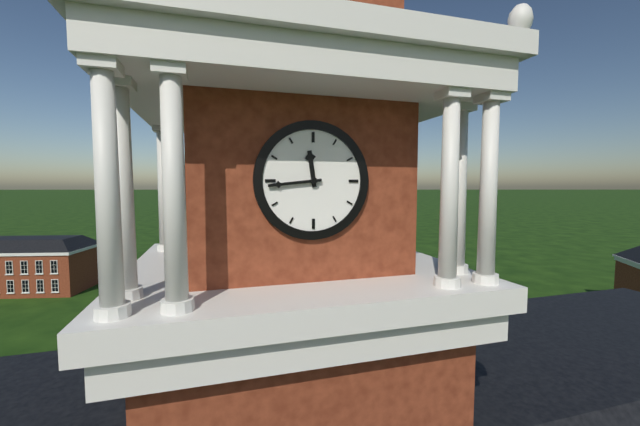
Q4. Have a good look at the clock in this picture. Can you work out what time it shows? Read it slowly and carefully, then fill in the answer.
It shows 11:44
